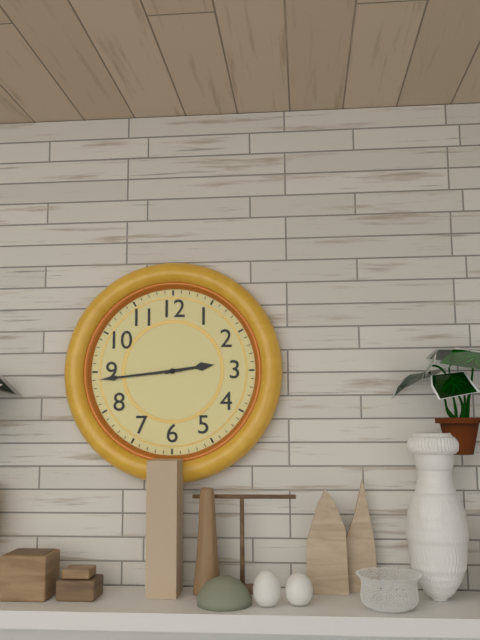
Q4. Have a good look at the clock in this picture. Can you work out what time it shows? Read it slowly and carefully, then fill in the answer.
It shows 2:44
